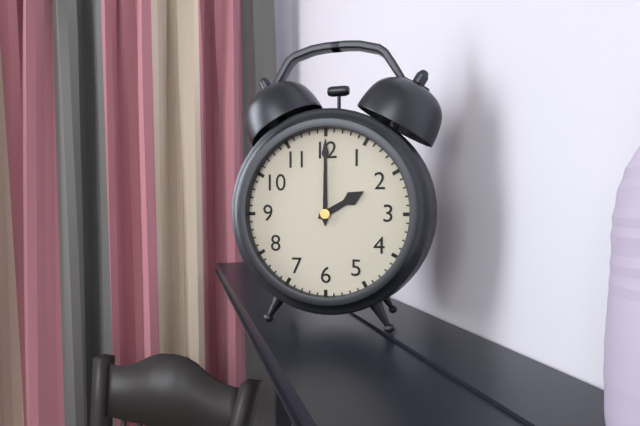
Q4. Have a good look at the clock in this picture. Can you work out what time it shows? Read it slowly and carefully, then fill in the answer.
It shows 2:00
